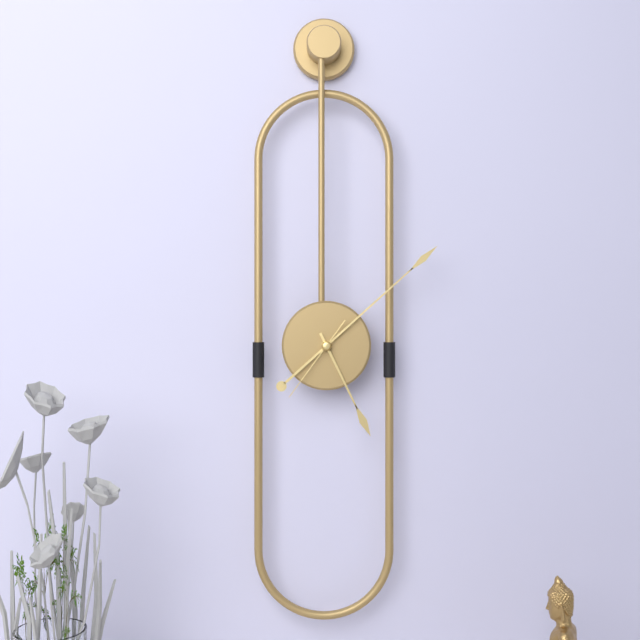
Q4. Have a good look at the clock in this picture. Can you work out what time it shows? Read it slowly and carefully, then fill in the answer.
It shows 5:08:36
